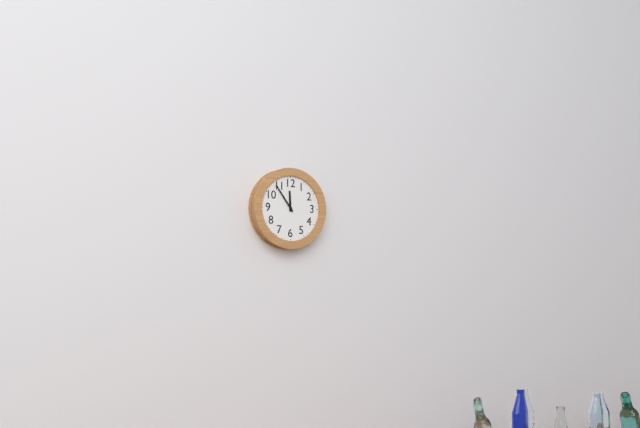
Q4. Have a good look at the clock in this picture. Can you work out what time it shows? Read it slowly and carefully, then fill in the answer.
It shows 11:54
